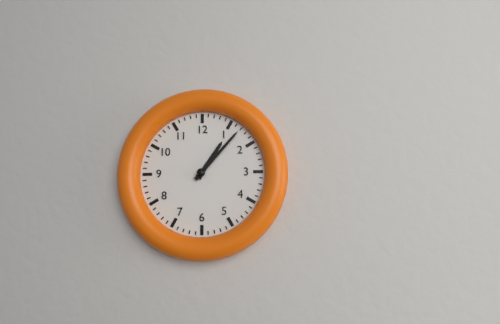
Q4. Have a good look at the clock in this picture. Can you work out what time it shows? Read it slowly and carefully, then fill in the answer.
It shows 1:07
